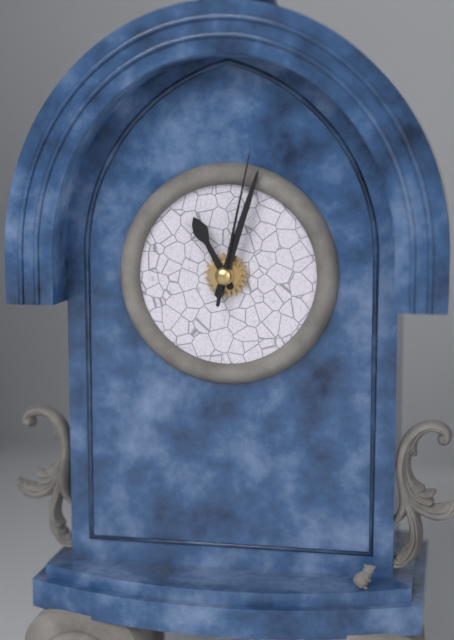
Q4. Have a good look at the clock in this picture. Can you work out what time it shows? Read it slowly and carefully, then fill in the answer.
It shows 11:03:02
